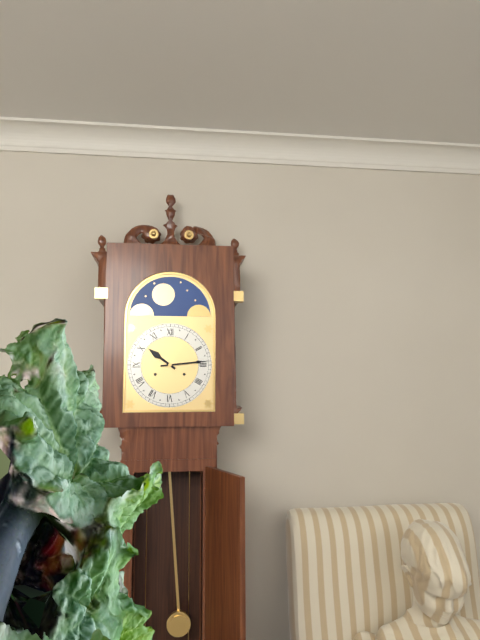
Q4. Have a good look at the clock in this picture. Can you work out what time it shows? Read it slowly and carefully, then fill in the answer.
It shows 10:14
